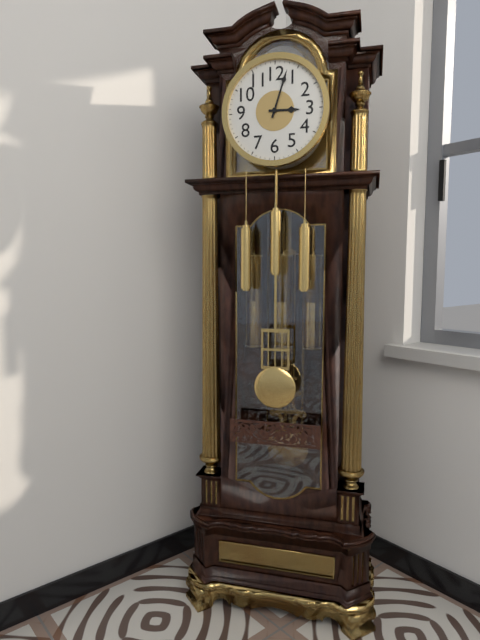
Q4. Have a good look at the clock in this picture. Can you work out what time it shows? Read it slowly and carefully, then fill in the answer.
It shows 3:03
